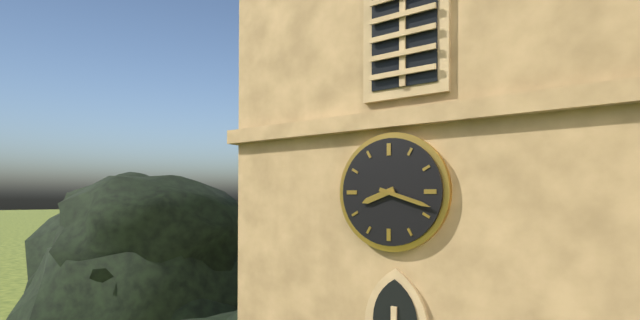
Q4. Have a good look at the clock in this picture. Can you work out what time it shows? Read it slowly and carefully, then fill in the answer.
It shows 8:18
